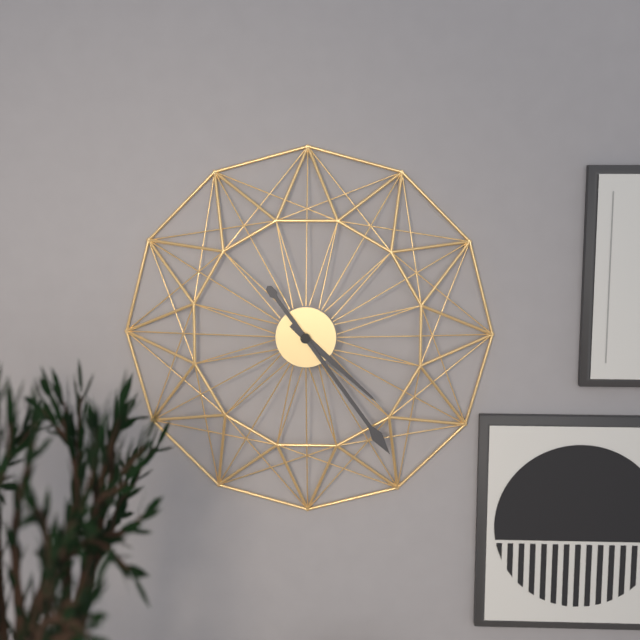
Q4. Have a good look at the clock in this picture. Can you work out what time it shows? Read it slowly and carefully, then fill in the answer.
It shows 4:24
